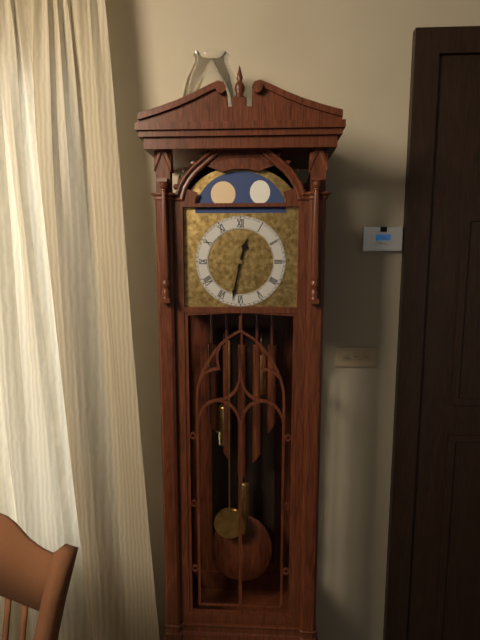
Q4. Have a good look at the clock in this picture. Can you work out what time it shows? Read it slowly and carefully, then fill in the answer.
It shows 12:32
